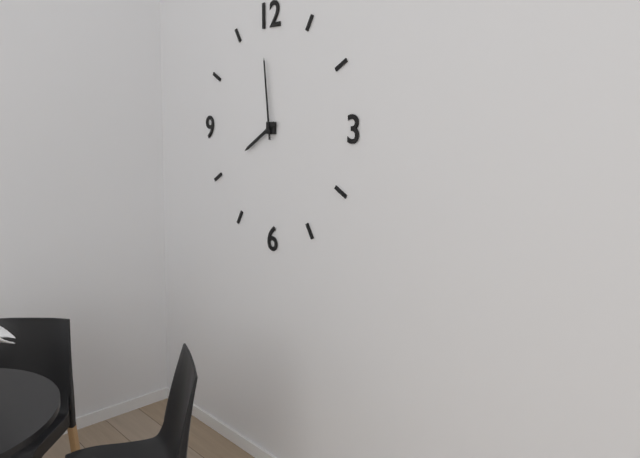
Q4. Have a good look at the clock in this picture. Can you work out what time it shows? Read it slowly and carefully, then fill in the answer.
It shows 7:59
